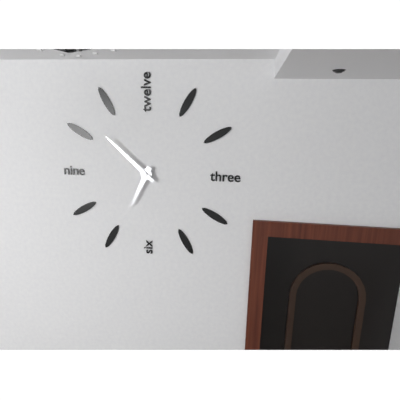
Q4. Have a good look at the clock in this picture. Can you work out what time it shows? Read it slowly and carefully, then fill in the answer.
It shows 6:52
